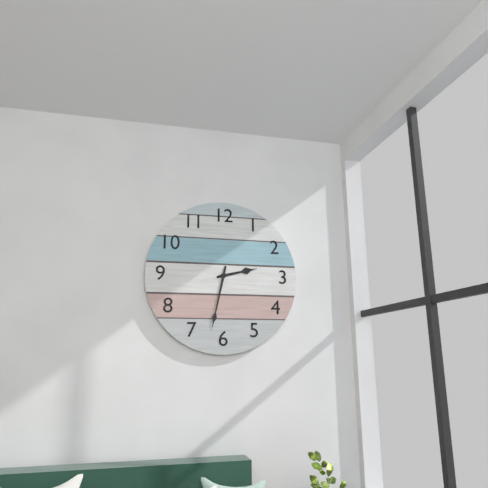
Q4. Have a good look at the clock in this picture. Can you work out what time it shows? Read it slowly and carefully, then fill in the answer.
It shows 2:32
